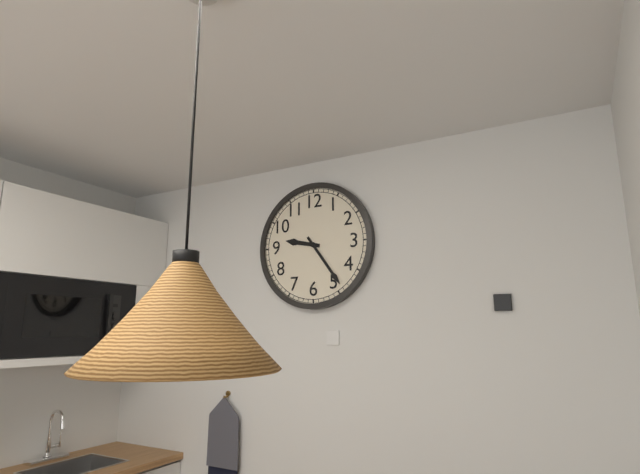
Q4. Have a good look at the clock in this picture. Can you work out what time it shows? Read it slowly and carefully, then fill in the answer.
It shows 9:24
